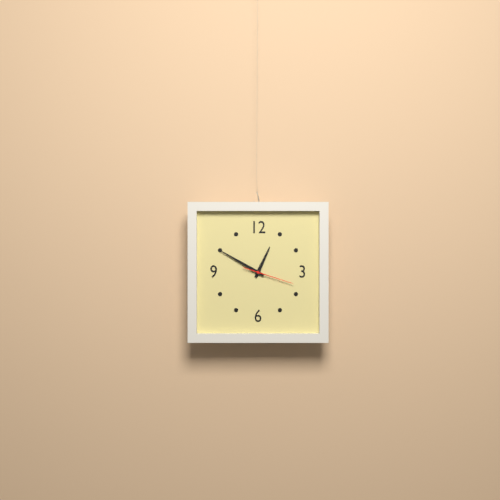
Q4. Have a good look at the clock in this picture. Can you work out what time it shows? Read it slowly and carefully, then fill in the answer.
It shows 12:50
